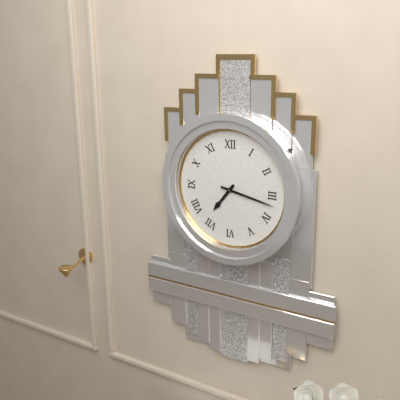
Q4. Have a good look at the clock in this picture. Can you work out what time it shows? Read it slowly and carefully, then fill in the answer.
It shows 7:17
